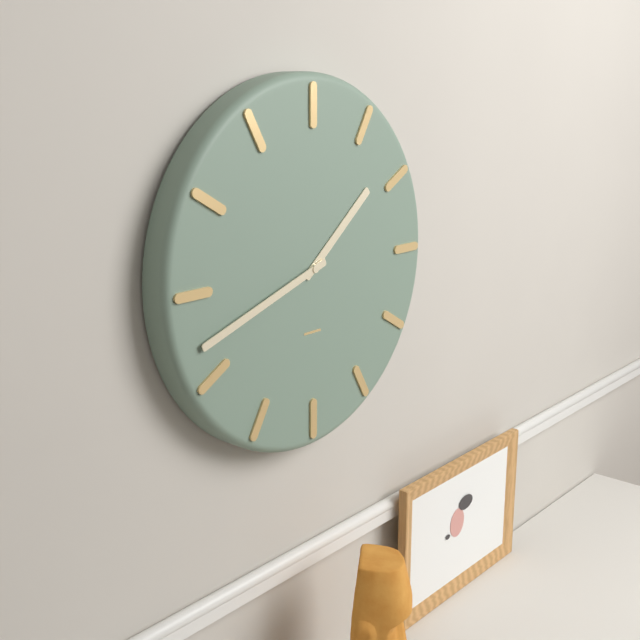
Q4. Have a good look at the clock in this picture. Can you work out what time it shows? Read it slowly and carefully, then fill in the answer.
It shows 1:42
